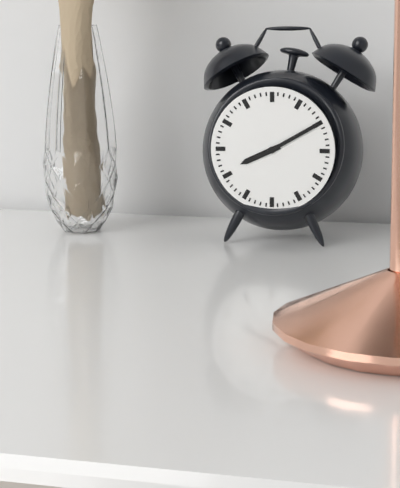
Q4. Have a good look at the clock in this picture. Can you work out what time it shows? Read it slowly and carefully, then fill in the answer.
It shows 8:10
